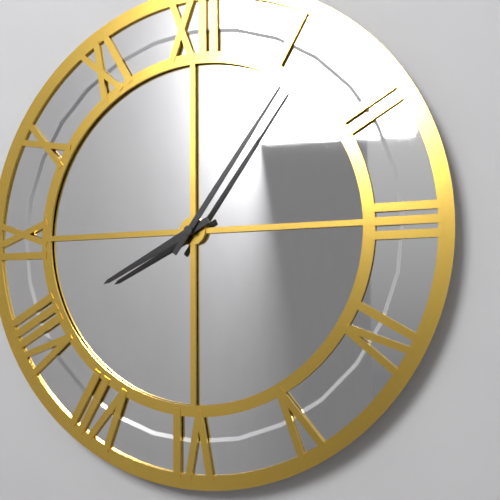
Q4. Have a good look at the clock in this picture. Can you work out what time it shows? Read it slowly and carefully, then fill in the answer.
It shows 8:06
